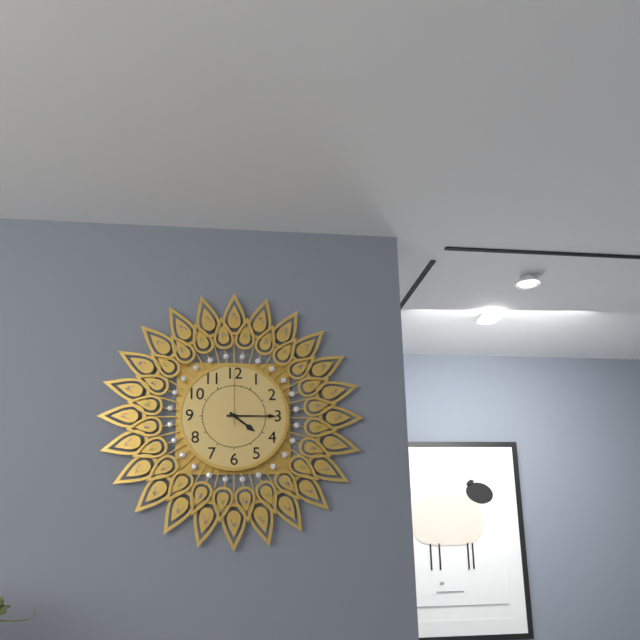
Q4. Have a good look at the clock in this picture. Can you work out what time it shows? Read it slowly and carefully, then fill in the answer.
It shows 4:15:00
